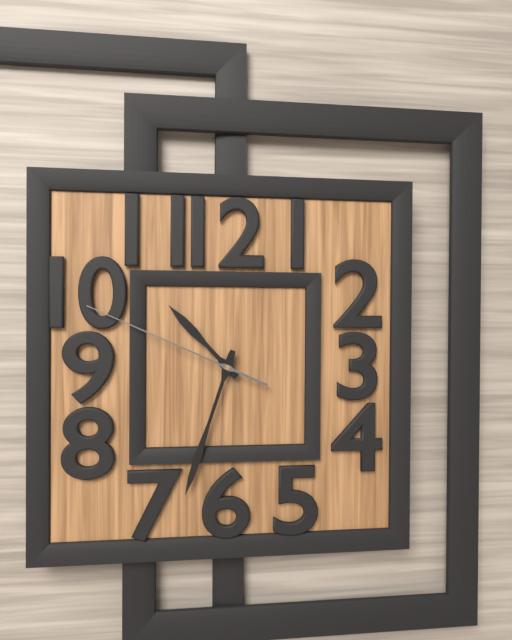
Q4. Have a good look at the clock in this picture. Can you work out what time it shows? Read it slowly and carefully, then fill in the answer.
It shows 10:33:49
